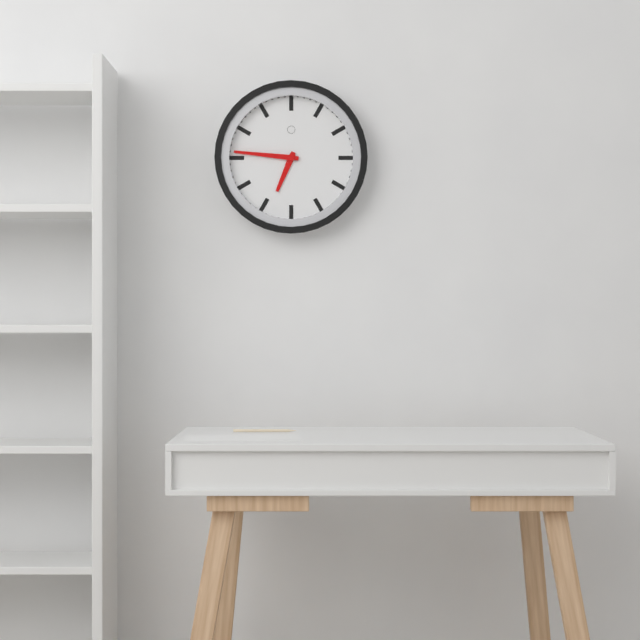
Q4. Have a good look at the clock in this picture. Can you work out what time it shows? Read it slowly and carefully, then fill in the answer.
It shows 6:46
